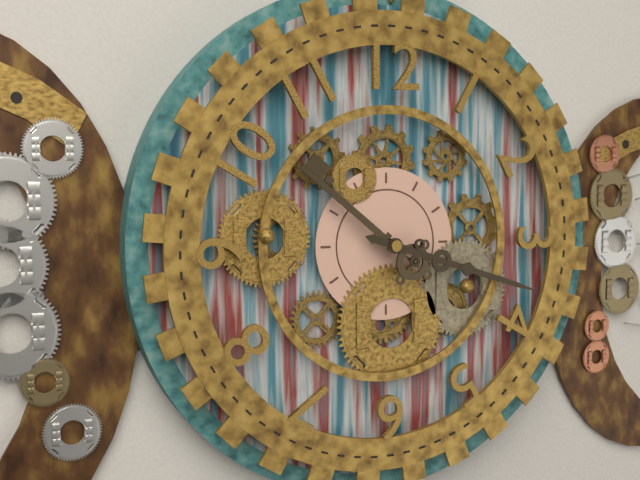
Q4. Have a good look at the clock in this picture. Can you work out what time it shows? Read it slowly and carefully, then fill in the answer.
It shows 10:18
